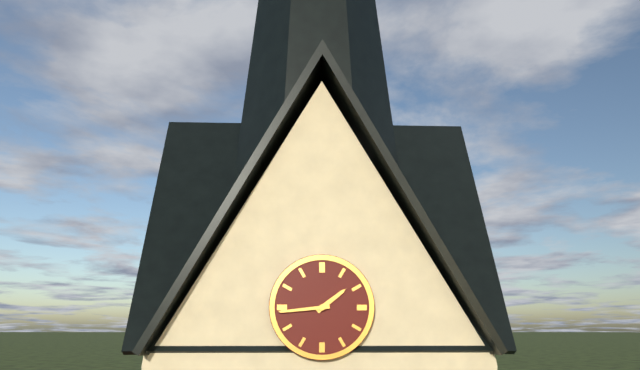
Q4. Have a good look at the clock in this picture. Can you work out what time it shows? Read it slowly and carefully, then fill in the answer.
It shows 1:44
